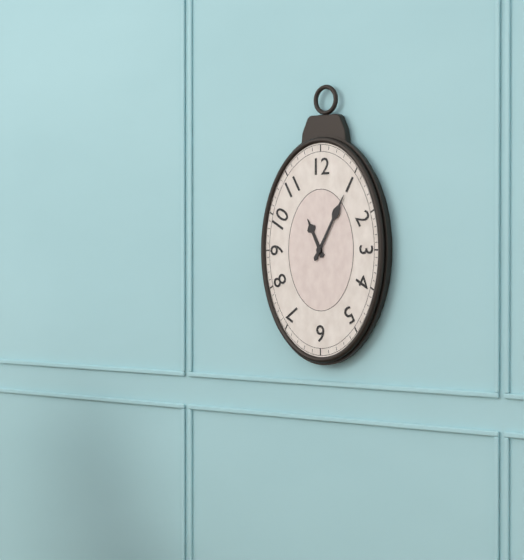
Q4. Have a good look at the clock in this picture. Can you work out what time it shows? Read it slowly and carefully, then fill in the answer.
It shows 11:05
